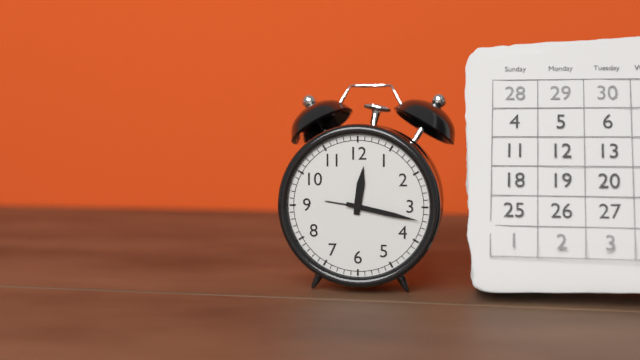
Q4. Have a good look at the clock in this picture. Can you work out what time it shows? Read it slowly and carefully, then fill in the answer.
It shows 12:17
